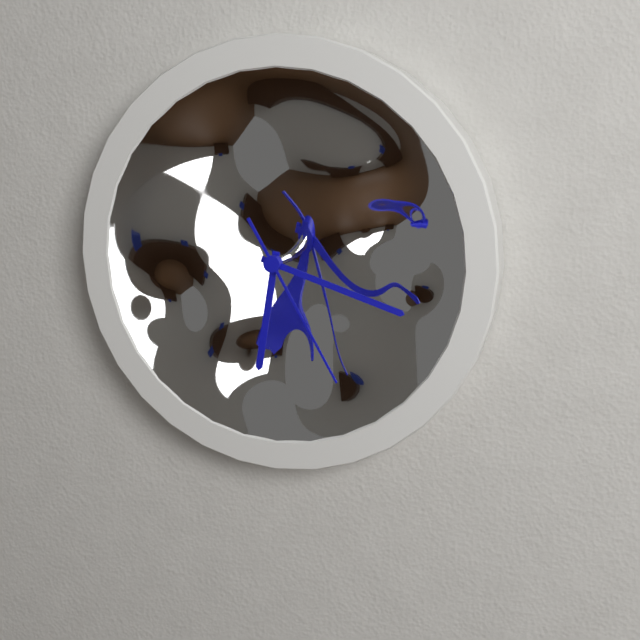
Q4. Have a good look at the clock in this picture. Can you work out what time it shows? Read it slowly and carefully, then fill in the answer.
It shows 6:18:25
